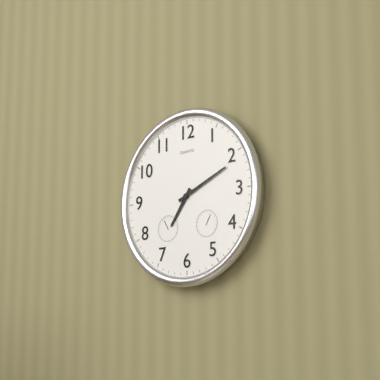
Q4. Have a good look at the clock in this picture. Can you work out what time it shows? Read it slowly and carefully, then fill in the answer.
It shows 7:11
